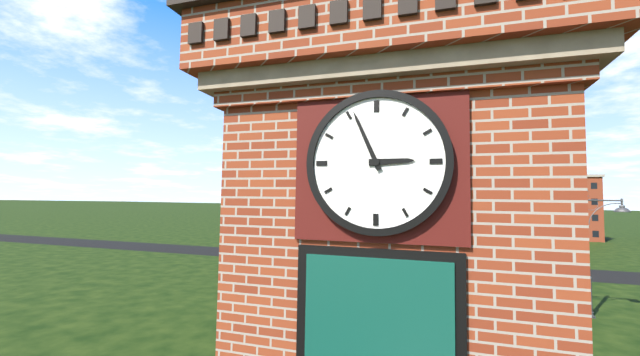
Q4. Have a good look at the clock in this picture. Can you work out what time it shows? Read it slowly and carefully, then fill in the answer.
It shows 2:56
